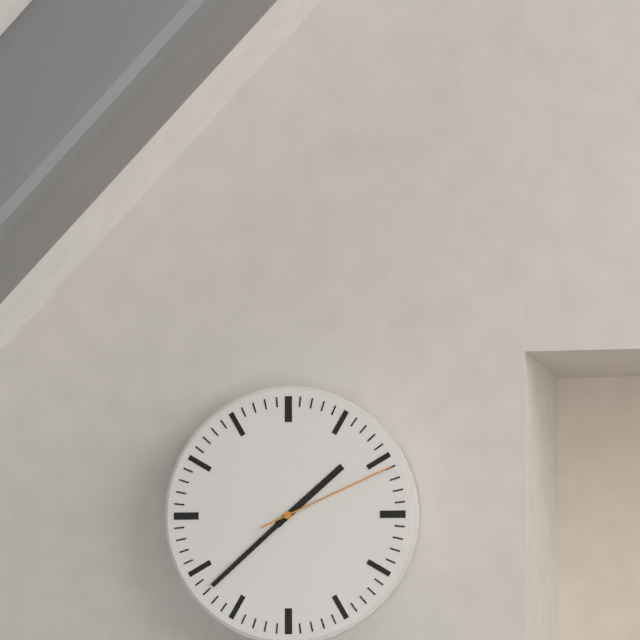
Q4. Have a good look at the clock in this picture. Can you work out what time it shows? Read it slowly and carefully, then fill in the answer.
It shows 1:38:11
